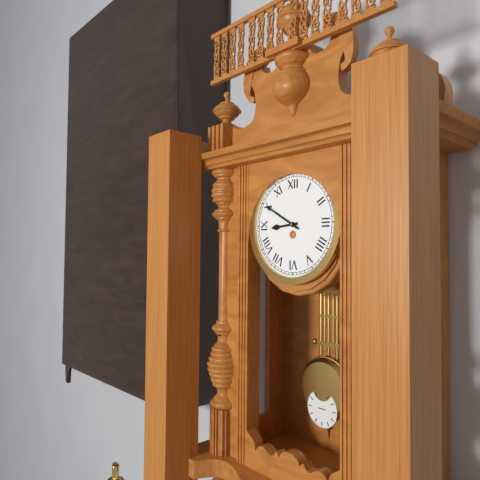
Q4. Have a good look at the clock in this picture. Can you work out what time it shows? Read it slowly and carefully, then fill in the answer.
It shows 8:50
